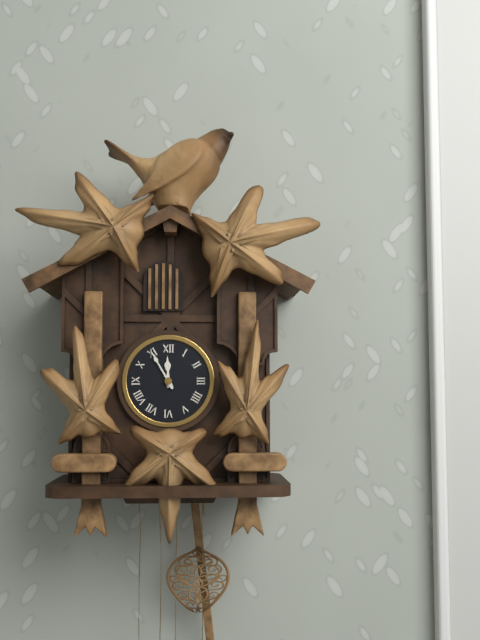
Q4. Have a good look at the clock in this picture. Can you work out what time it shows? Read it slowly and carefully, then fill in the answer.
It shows 11:55
